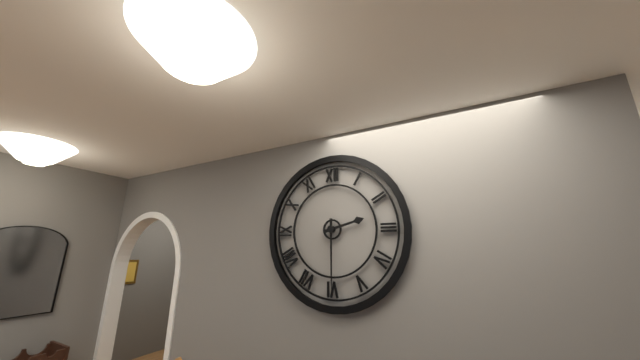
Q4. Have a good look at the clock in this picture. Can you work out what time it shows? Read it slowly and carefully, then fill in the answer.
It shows 2:30
